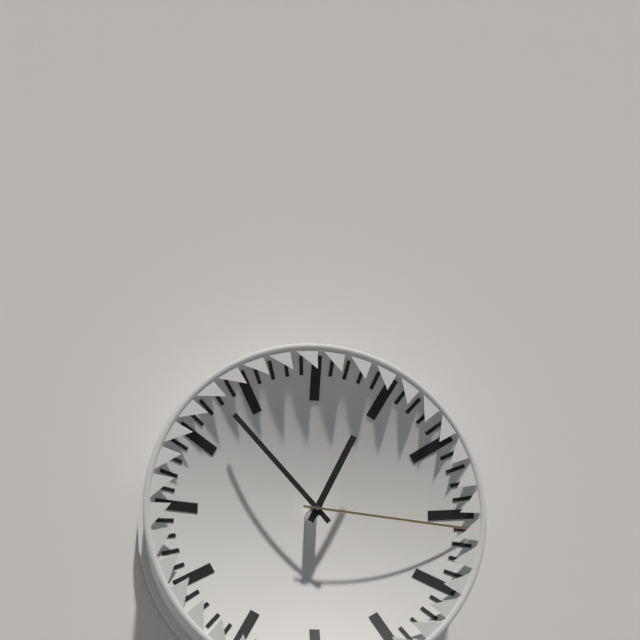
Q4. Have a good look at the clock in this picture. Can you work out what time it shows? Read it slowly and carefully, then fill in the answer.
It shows 12:53:16
